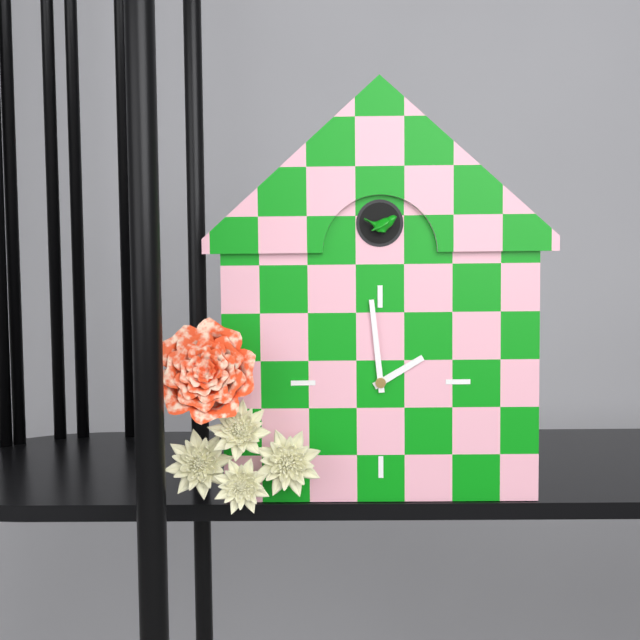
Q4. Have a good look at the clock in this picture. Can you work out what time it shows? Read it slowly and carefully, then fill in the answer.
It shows 1:59
